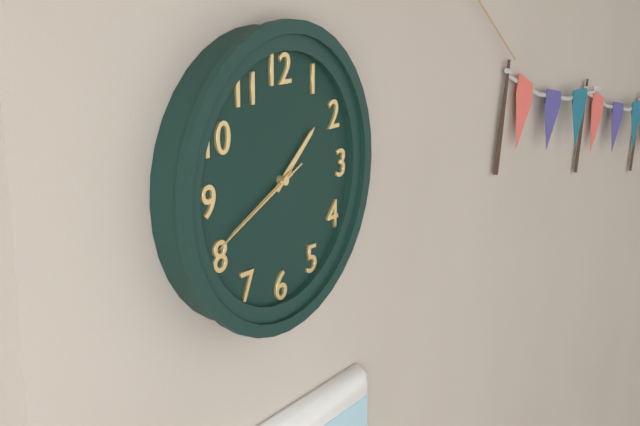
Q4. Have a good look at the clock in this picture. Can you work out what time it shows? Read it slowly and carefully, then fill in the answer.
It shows 1:41:41
